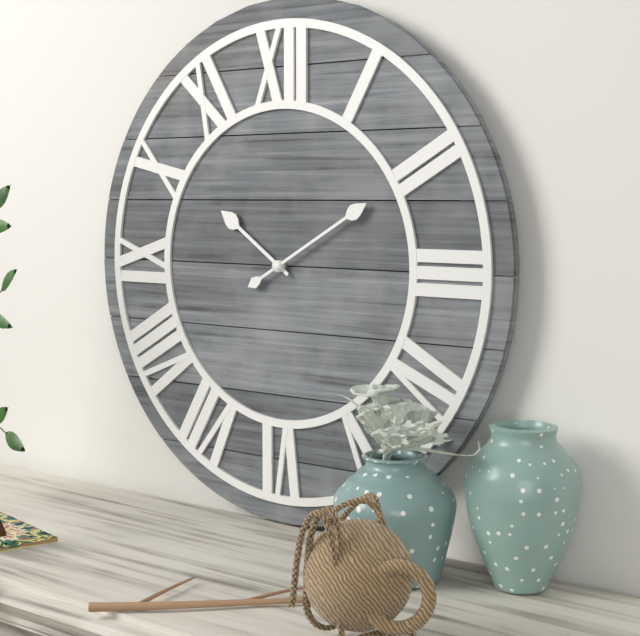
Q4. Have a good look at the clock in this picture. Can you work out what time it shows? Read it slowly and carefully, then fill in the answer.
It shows 10:10
